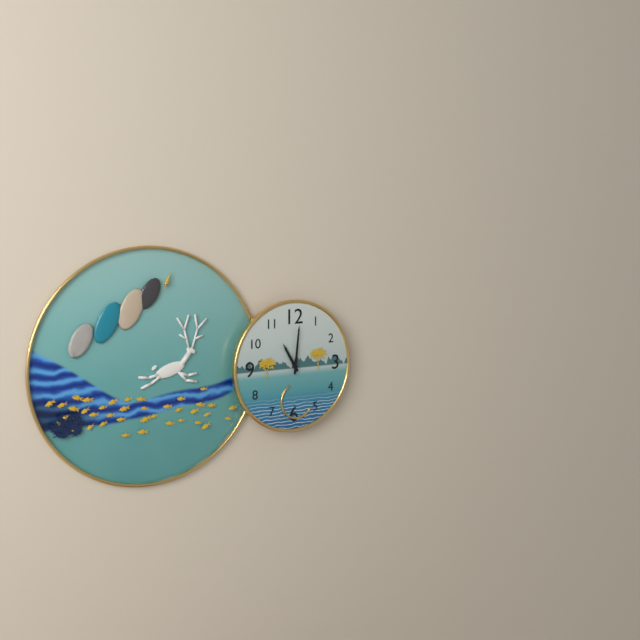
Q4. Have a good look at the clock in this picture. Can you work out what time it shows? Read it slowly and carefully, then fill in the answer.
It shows 11:01
